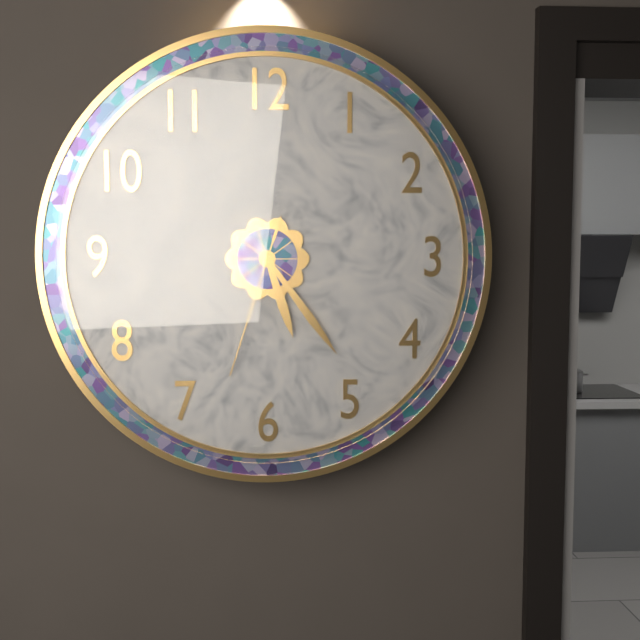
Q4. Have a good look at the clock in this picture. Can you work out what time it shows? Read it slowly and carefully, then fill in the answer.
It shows 5:24:33
